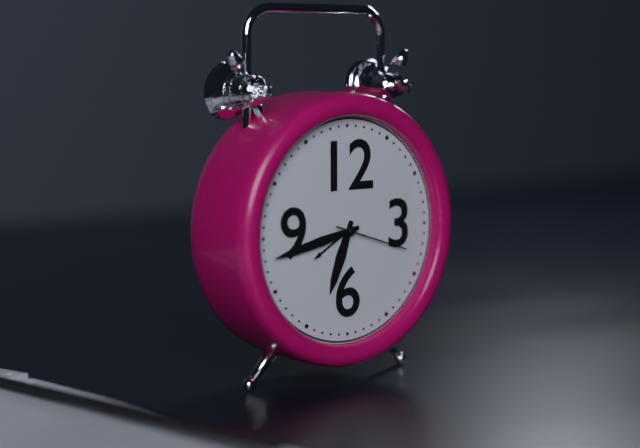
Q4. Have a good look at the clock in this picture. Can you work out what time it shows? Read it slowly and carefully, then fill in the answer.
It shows 6:43:18
